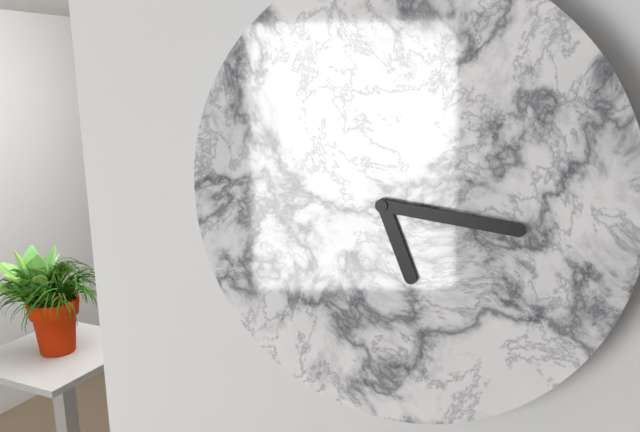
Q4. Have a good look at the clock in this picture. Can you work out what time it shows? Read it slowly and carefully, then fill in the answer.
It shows 5:16
